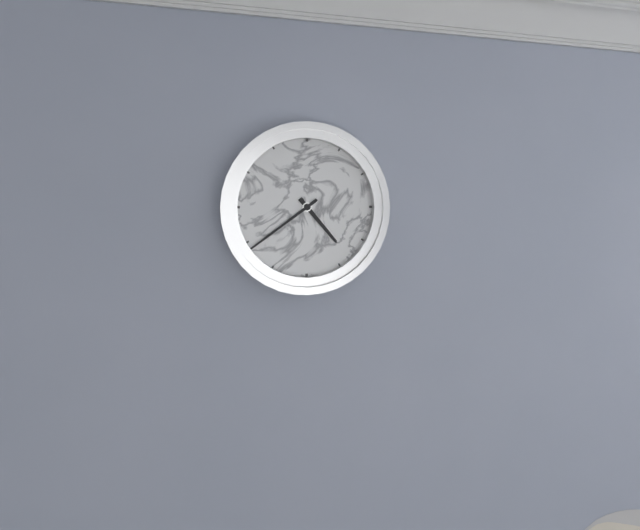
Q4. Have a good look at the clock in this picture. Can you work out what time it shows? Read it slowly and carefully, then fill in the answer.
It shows 4:39
